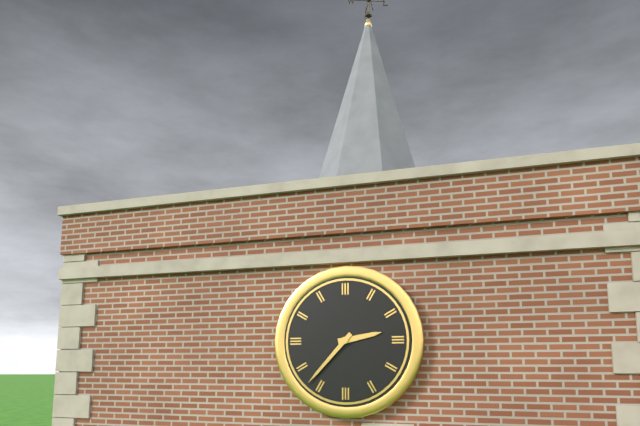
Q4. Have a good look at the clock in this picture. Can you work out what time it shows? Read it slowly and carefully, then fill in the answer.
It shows 2:37
